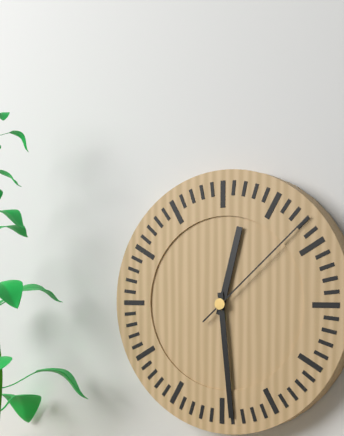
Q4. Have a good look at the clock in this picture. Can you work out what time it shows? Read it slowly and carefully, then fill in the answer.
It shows 12:29:08
